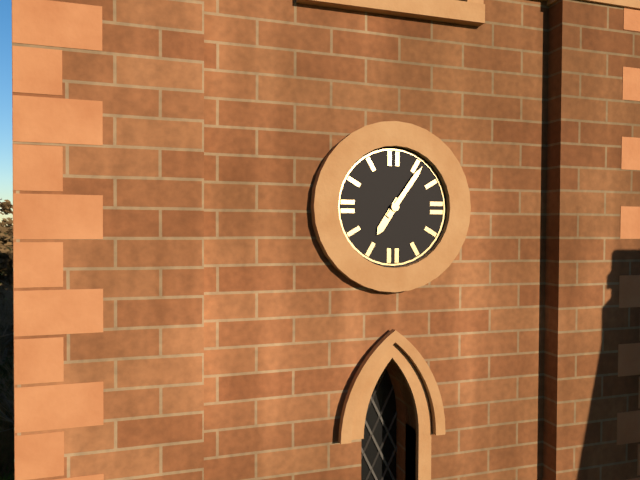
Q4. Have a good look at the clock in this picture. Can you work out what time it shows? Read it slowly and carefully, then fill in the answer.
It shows 7:06
